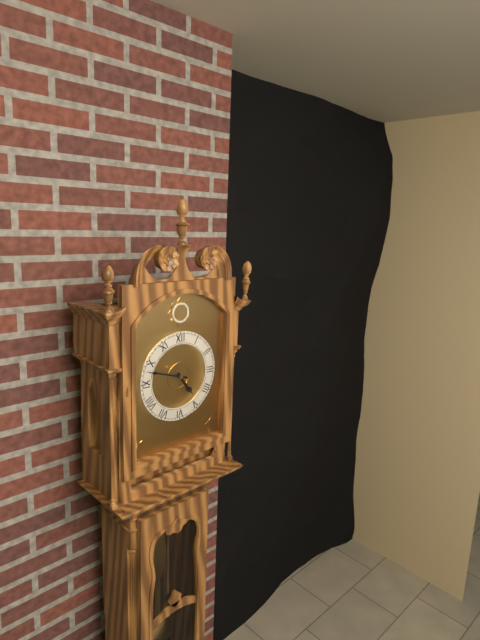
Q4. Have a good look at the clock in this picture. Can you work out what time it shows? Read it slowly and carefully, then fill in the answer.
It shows 4:48
